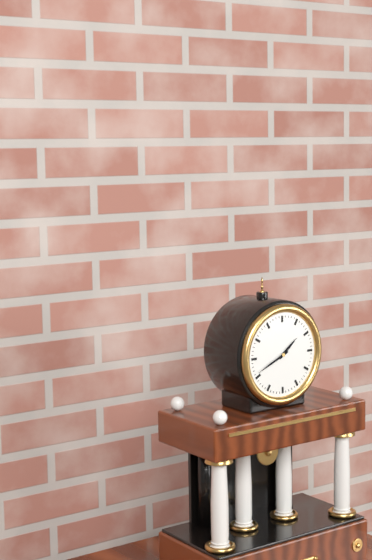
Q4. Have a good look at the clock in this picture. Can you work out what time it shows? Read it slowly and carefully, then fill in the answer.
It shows 1:41
